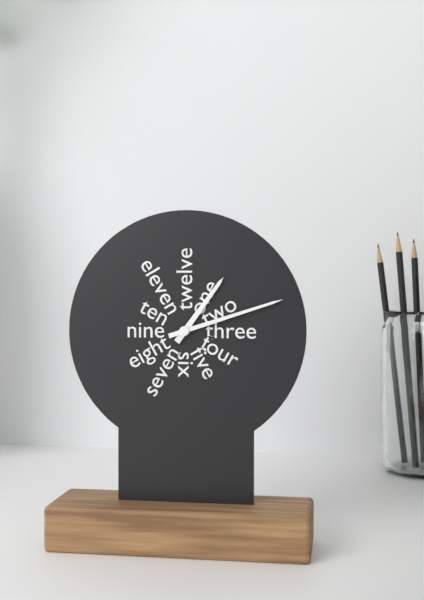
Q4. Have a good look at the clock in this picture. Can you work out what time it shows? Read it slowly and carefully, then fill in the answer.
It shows 1:12
